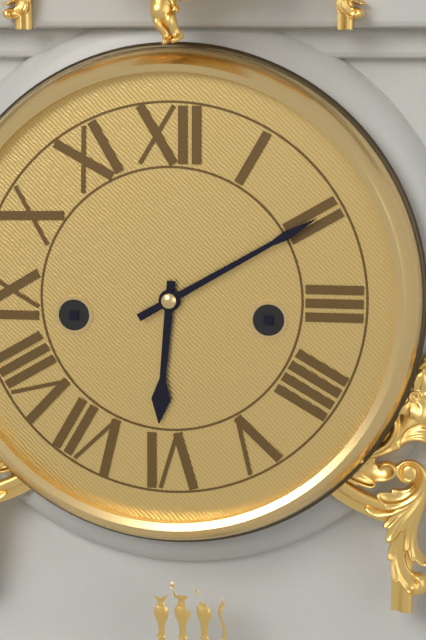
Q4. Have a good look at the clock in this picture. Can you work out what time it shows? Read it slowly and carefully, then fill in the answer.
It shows 6:10
